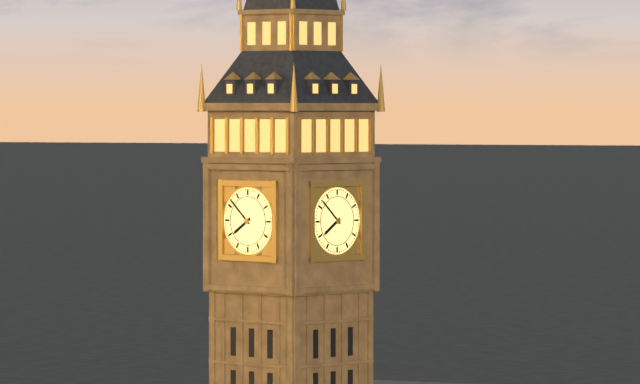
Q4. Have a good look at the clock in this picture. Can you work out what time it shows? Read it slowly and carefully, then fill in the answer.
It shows 7:52
